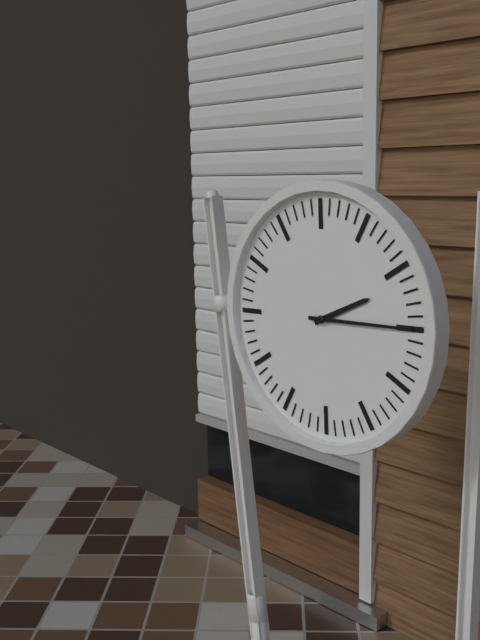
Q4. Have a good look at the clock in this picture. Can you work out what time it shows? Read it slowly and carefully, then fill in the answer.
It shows 2:15
